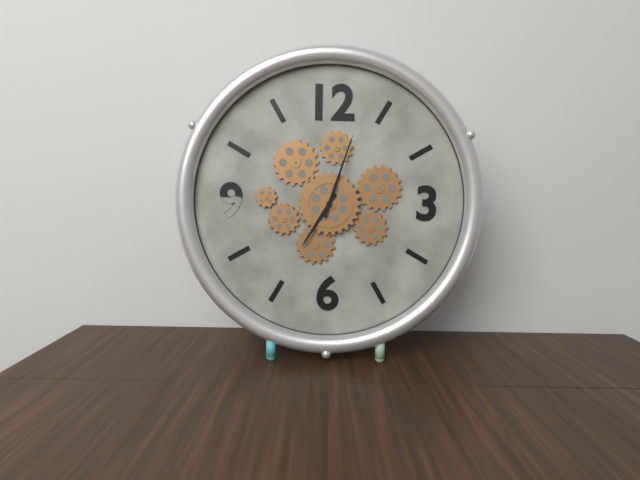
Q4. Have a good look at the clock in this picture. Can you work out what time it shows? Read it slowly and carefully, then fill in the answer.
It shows 7:03
